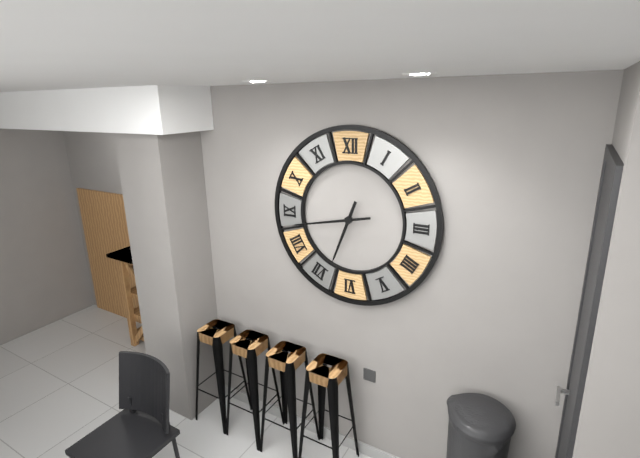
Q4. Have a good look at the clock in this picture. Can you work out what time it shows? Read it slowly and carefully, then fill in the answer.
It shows 6:43
